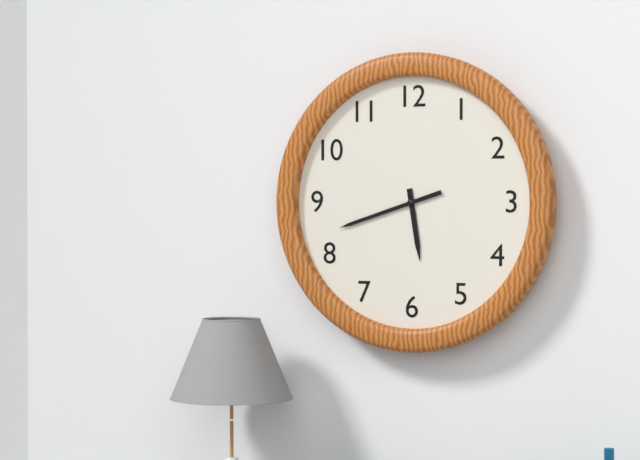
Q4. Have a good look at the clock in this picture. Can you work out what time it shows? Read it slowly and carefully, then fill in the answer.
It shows 5:42
